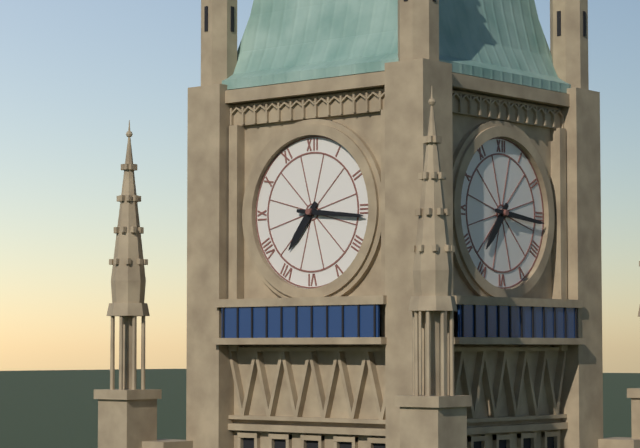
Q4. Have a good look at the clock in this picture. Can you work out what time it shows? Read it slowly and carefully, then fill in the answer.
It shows 7:16
